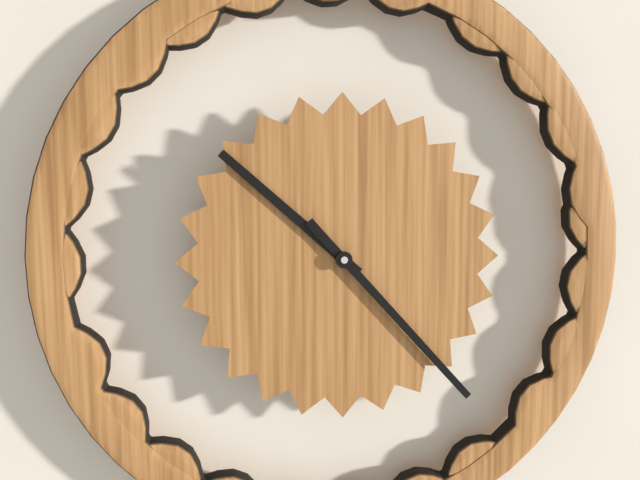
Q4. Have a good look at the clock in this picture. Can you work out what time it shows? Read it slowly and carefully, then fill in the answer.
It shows 10:23
